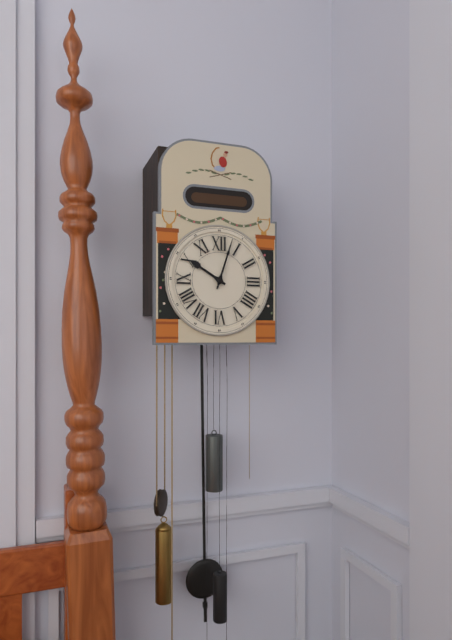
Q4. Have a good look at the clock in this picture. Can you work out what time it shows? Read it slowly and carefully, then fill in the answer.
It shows 10:03
